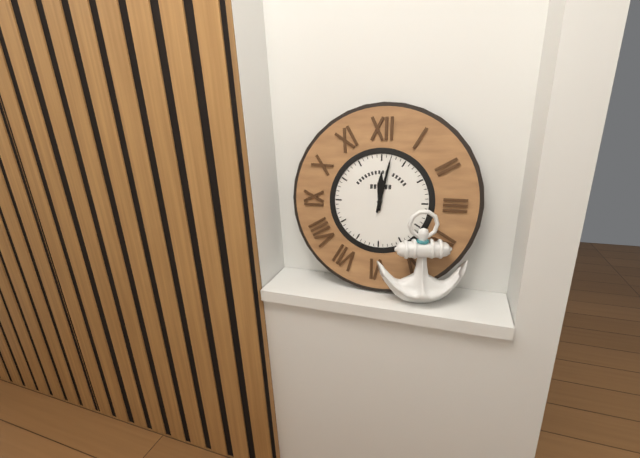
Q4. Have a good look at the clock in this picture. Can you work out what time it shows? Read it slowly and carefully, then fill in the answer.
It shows 12:02
